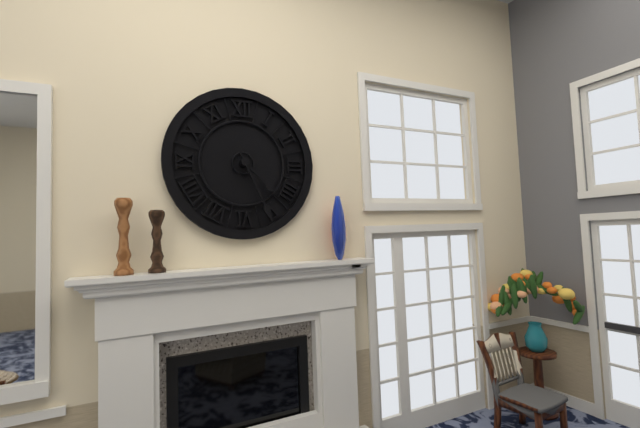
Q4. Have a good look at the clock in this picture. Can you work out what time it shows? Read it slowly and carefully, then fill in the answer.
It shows 4:26
